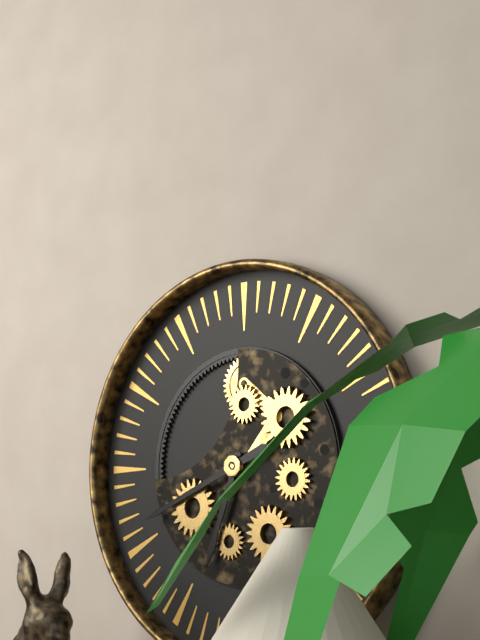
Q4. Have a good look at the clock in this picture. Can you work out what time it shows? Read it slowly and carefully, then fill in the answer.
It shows 6:41
